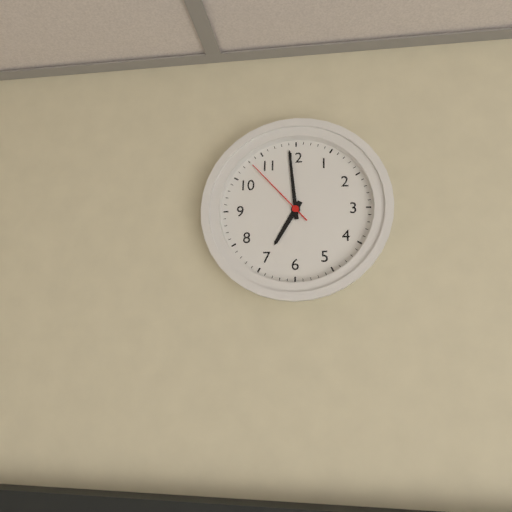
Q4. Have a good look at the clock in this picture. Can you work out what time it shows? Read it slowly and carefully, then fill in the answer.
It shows 6:59:53
